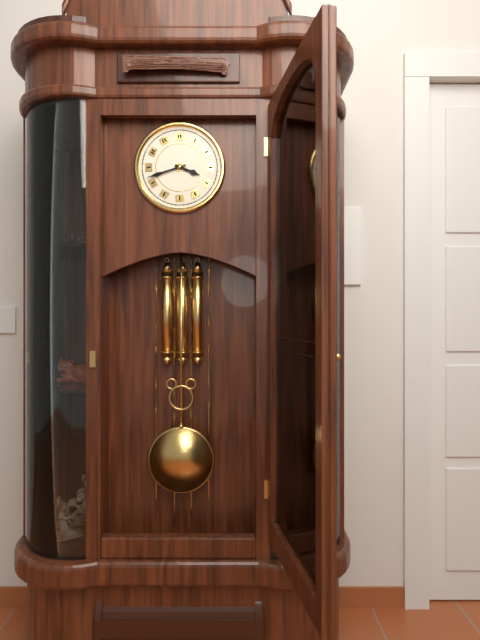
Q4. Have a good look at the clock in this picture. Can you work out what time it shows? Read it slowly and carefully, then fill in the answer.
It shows 3:42
